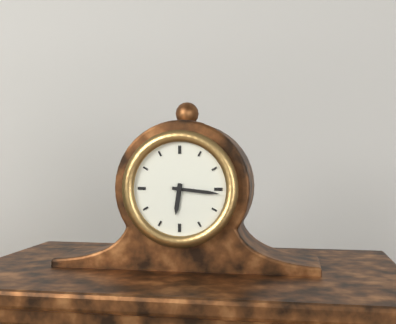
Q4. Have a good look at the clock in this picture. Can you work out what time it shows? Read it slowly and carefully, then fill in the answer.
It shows 6:16
